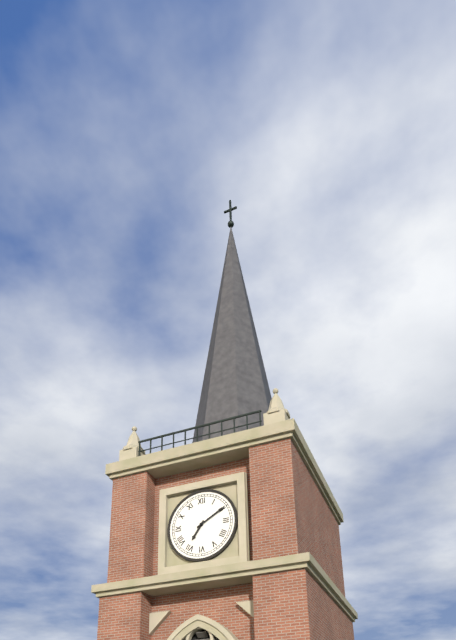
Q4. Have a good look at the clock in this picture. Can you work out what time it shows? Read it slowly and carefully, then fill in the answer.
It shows 7:10
